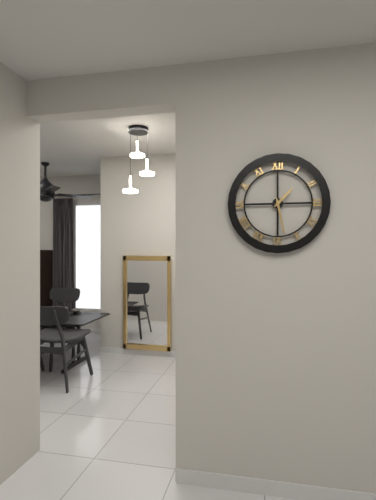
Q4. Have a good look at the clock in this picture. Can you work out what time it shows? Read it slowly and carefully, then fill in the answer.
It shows 1:28
